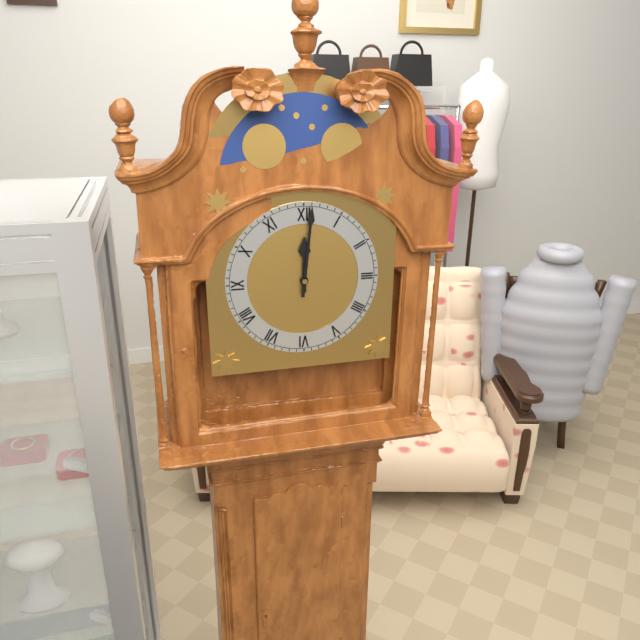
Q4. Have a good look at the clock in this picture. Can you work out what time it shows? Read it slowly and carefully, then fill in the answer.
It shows 12:01
